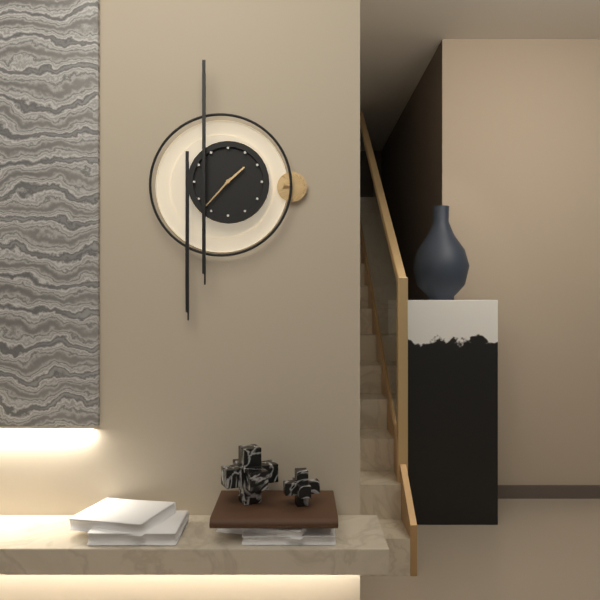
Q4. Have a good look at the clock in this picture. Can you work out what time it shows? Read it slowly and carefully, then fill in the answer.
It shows 1:37
